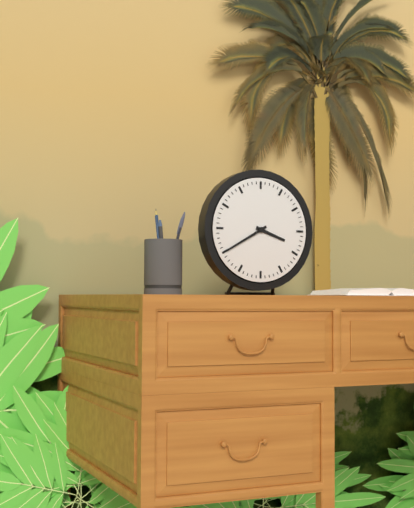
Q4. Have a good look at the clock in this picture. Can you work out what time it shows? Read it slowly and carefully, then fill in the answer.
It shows 3:40
